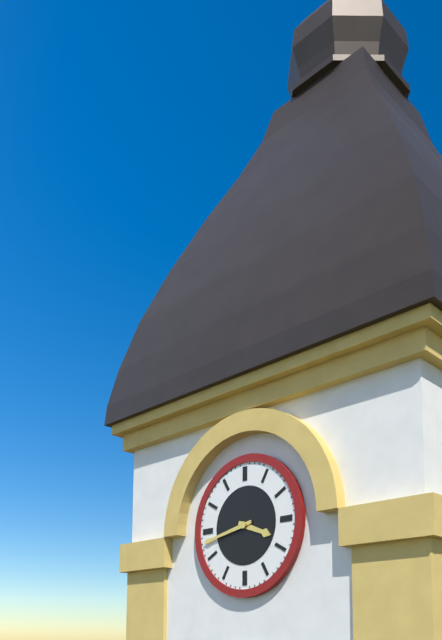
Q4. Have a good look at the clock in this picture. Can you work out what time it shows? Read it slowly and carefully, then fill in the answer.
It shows 3:43
